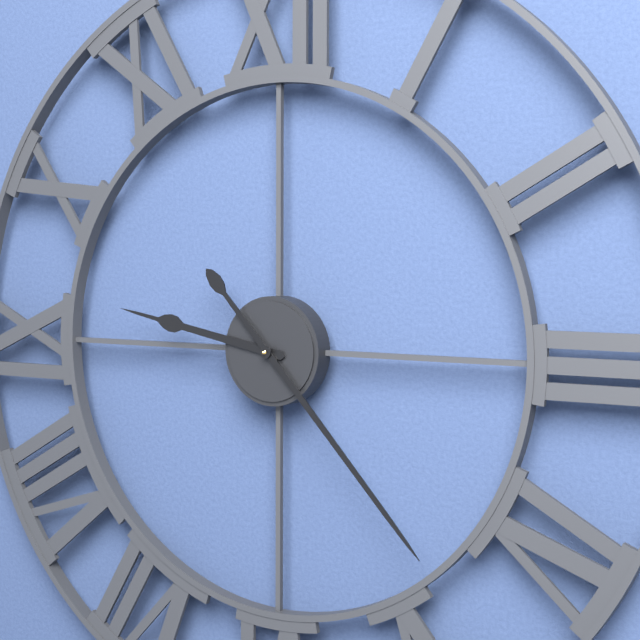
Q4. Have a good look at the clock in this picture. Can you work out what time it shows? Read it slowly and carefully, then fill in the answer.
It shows 9:23
